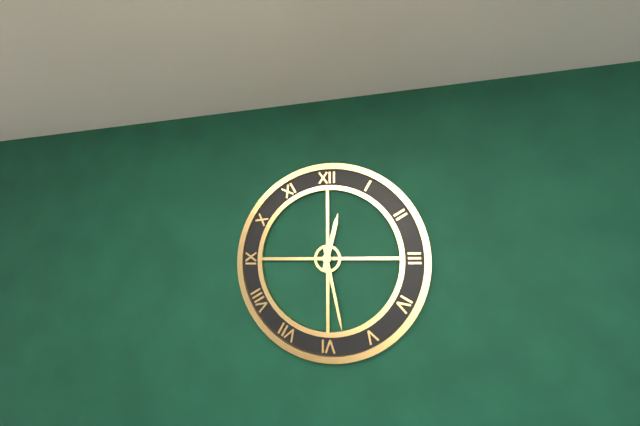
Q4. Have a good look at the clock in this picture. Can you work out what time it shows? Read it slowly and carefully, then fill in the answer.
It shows 12:28
